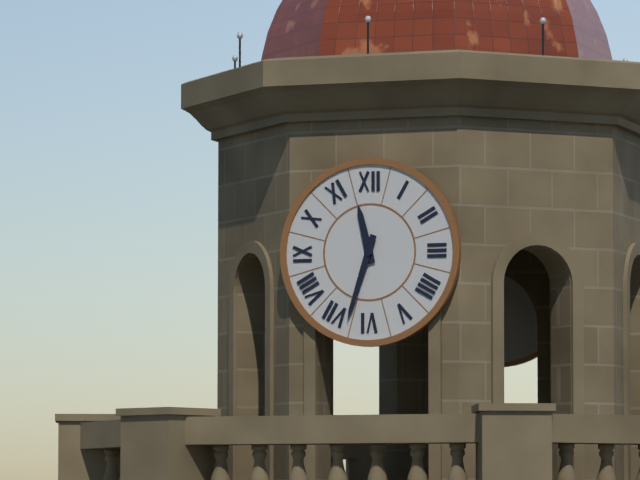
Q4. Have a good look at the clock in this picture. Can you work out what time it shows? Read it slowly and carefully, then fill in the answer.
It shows 11:33
